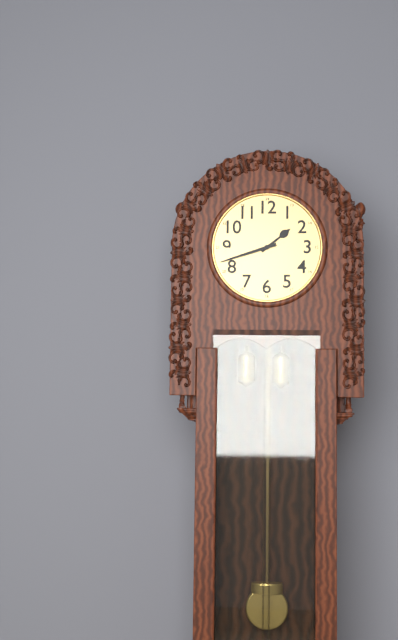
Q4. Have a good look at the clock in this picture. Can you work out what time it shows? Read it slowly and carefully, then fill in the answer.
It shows 1:42
